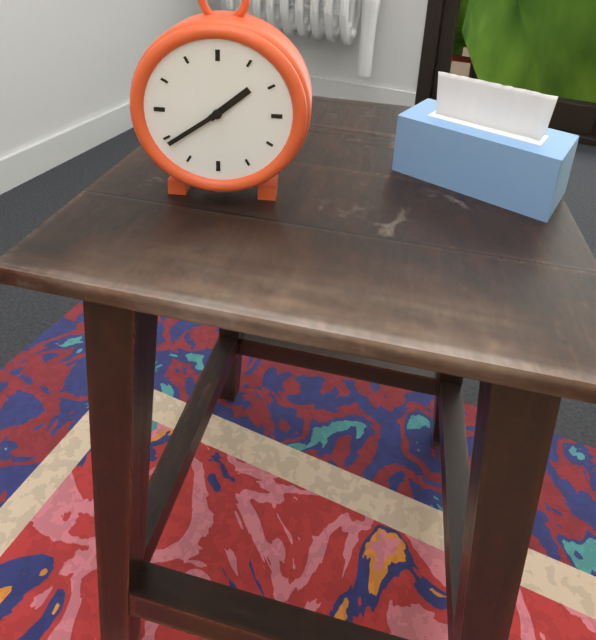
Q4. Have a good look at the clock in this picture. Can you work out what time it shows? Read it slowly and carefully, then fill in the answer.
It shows 1:39
